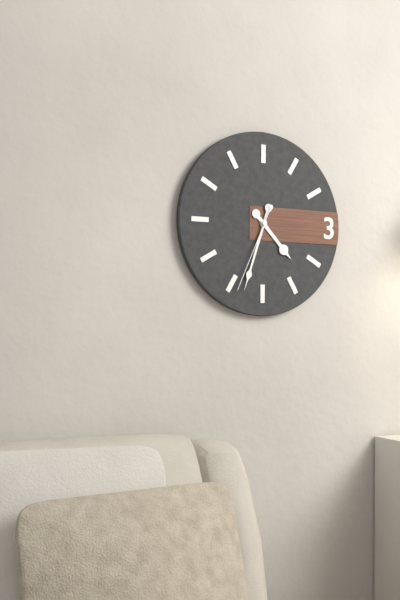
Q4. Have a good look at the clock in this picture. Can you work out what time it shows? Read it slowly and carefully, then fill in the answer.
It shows 4:33:34
